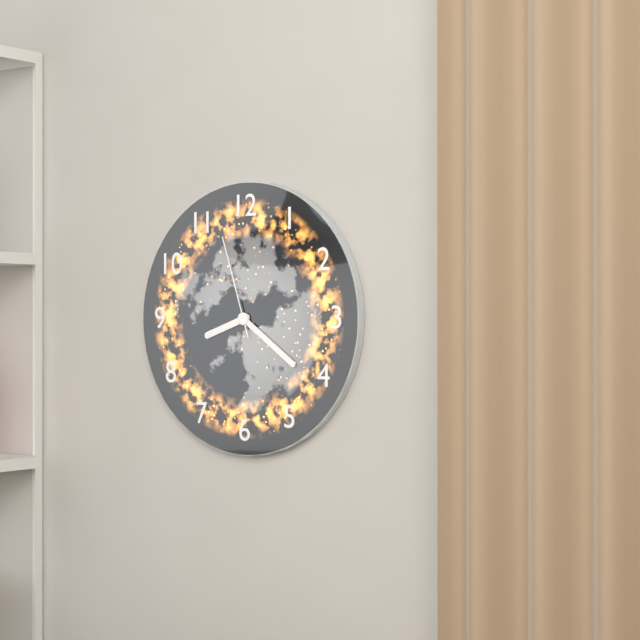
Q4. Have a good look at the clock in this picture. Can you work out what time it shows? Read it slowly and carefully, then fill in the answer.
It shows 8:21:57
